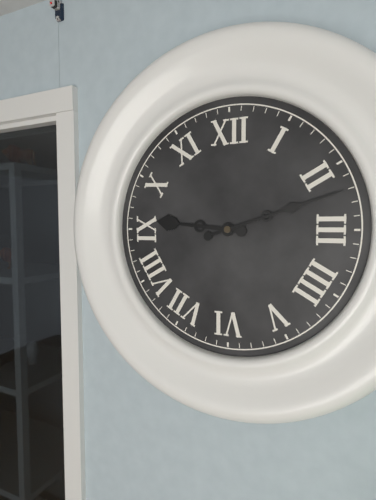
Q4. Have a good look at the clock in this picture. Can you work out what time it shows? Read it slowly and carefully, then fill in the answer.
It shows 9:12
